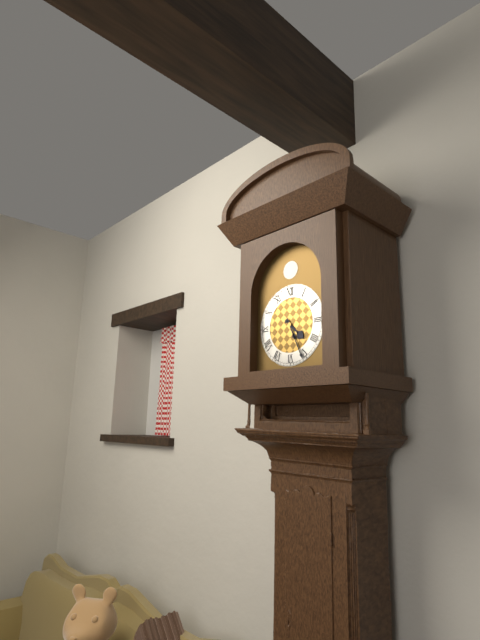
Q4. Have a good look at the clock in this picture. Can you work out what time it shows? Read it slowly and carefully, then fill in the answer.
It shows 4:26
